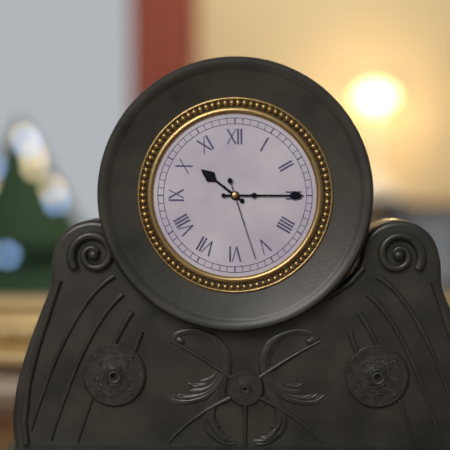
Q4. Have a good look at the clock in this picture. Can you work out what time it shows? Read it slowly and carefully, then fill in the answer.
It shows 10:15:27
